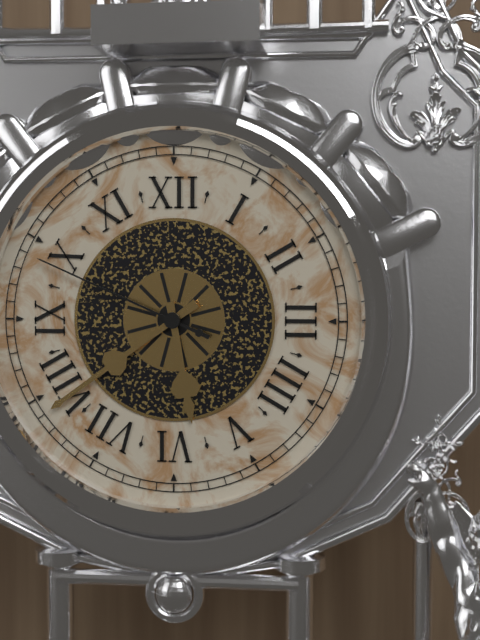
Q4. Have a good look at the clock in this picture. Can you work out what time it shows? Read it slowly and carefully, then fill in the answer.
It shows 5:39:49
